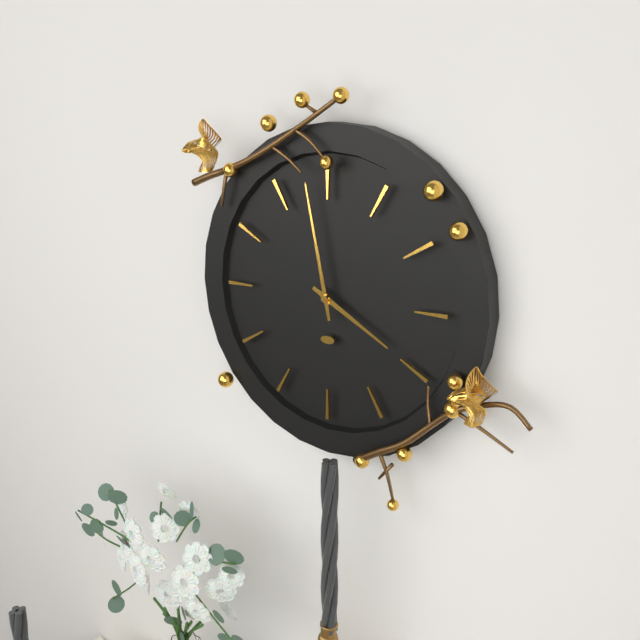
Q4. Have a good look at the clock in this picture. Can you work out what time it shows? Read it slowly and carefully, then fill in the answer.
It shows 3:58
